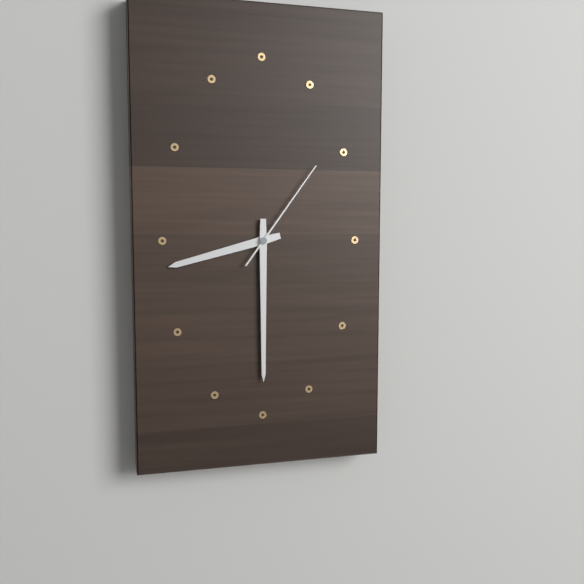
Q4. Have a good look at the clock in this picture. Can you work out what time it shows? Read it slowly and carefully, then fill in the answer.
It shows 8:30:06
